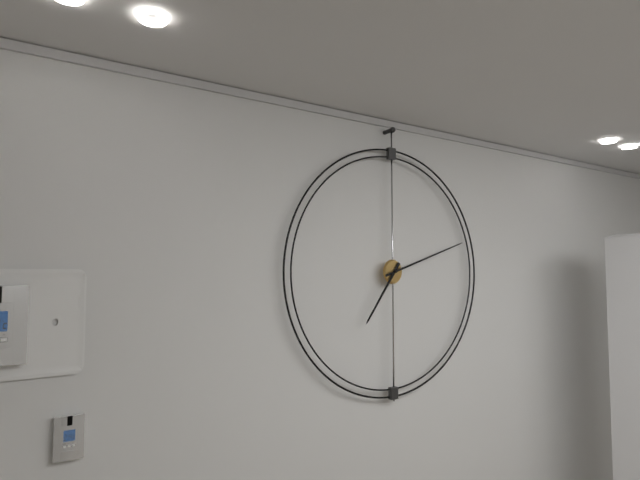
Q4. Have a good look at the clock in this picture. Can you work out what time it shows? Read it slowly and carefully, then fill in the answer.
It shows 7:12
